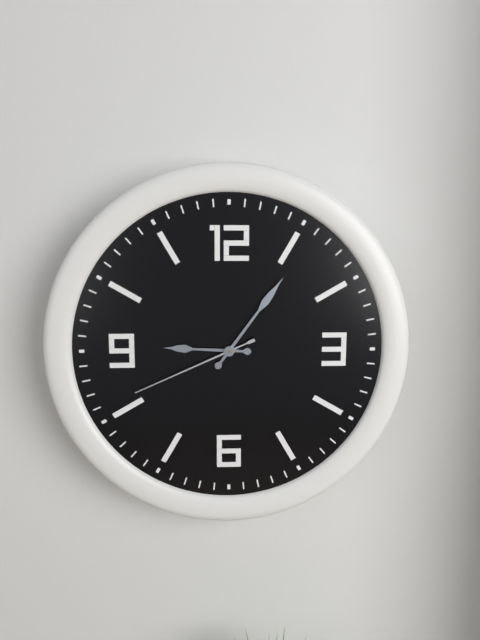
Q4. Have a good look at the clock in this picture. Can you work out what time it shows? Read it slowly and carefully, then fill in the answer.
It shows 9:06:41
